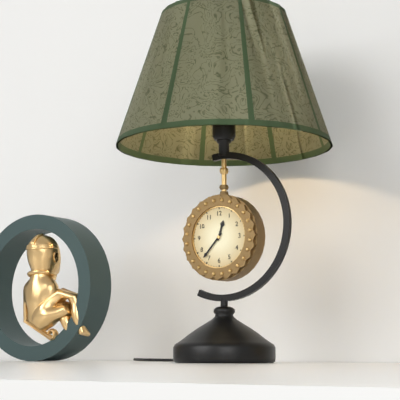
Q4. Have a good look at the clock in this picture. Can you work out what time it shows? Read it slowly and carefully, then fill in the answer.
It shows 12:37
